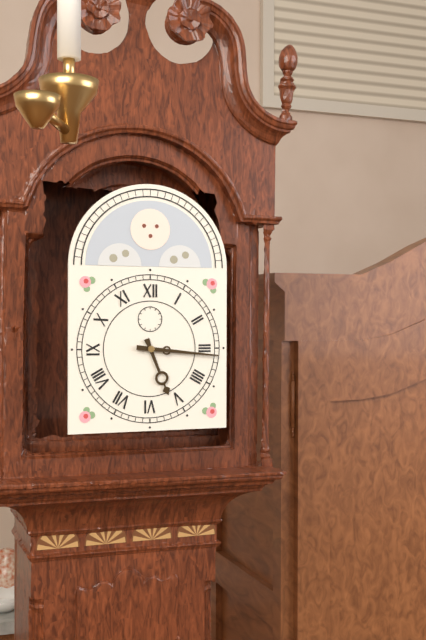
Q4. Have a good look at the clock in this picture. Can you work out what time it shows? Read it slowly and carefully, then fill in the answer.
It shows 5:16
